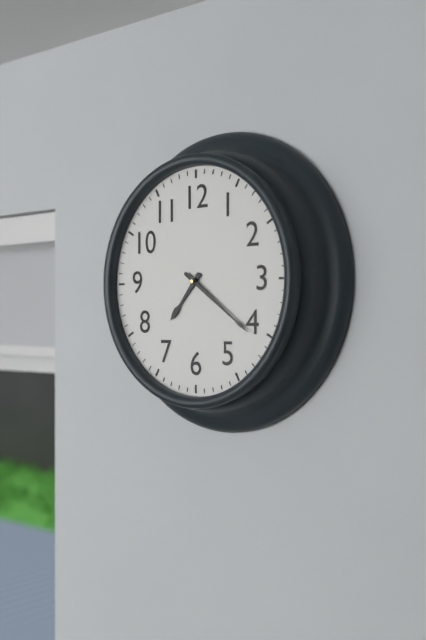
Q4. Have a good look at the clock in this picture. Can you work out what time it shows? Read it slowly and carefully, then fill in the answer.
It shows 7:21
